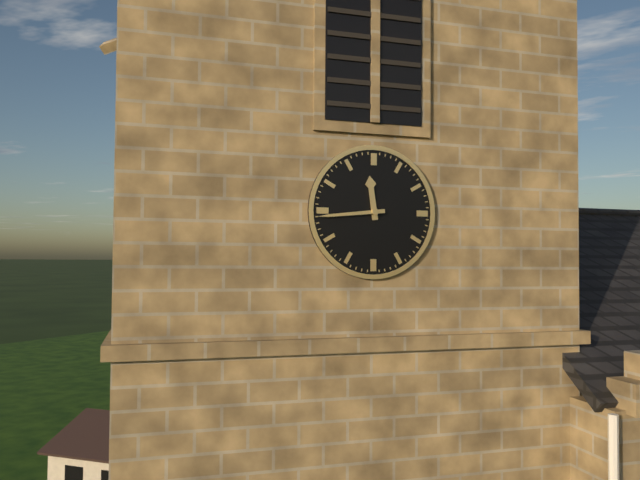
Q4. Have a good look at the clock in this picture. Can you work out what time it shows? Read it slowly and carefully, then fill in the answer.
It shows 11:44
